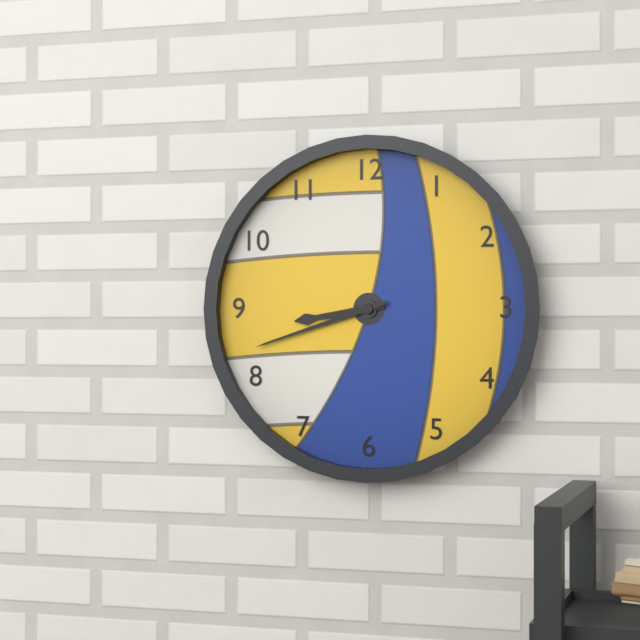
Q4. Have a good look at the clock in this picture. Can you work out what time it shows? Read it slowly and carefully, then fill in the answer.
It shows 8:42
